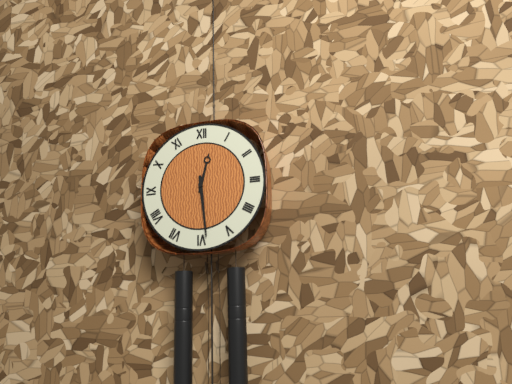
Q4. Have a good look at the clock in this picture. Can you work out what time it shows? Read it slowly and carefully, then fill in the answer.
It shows 12:29
